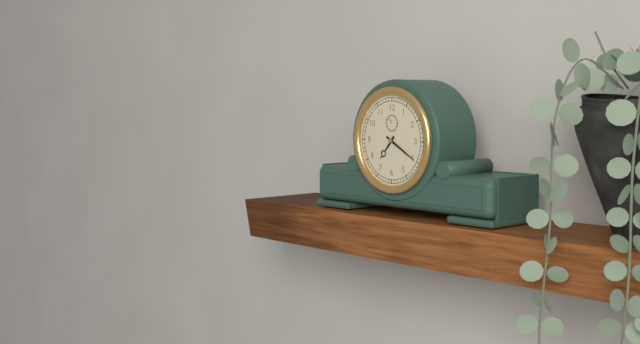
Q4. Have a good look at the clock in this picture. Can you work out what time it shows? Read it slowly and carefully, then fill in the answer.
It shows 7:20
